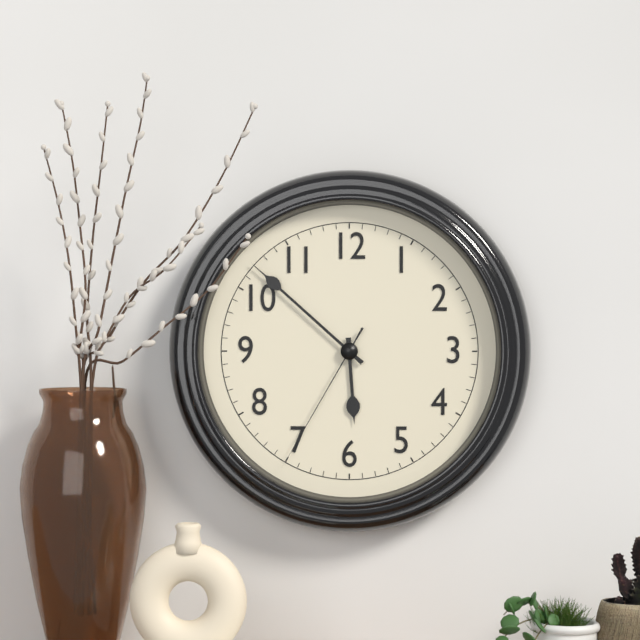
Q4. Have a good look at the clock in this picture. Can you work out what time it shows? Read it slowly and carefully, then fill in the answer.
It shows 5:52:35
